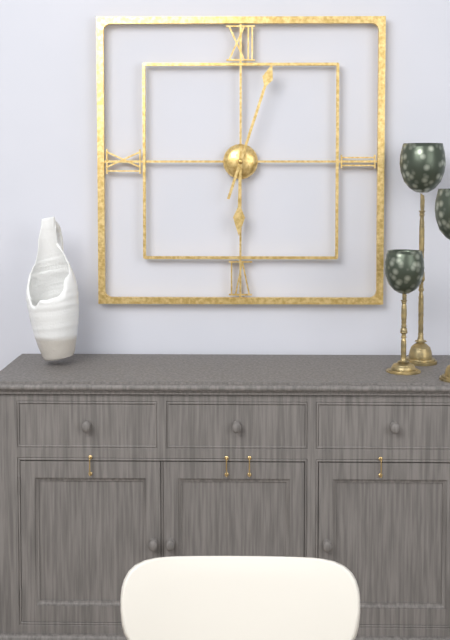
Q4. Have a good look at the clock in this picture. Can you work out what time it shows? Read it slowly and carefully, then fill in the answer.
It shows 6:03
